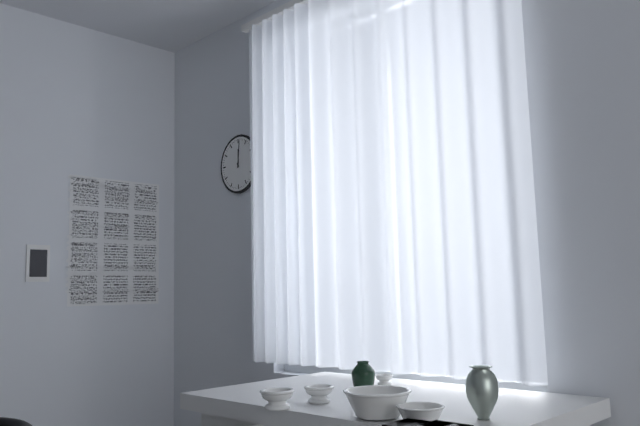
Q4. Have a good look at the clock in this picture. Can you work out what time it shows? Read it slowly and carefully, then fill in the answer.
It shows 12:01
